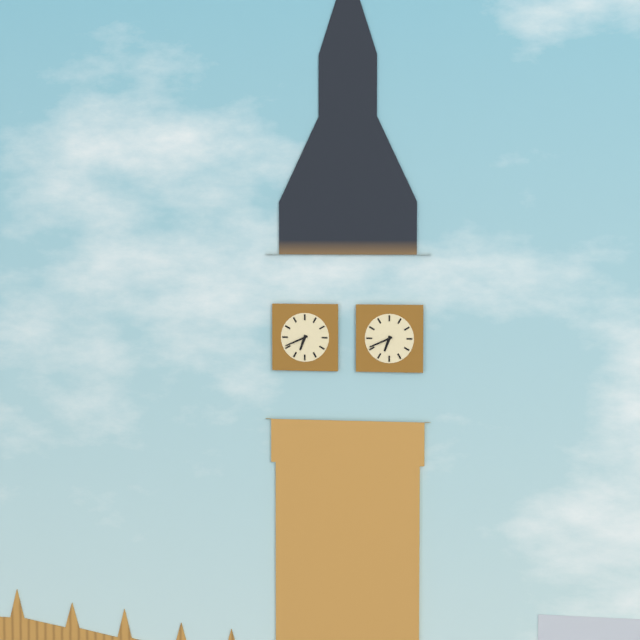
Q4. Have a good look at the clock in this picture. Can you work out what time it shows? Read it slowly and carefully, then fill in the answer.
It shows 6:41
